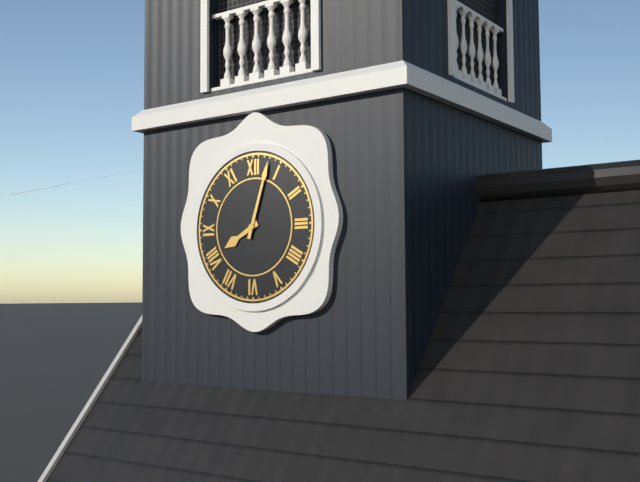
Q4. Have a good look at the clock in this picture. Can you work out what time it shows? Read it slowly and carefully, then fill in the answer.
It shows 8:03
